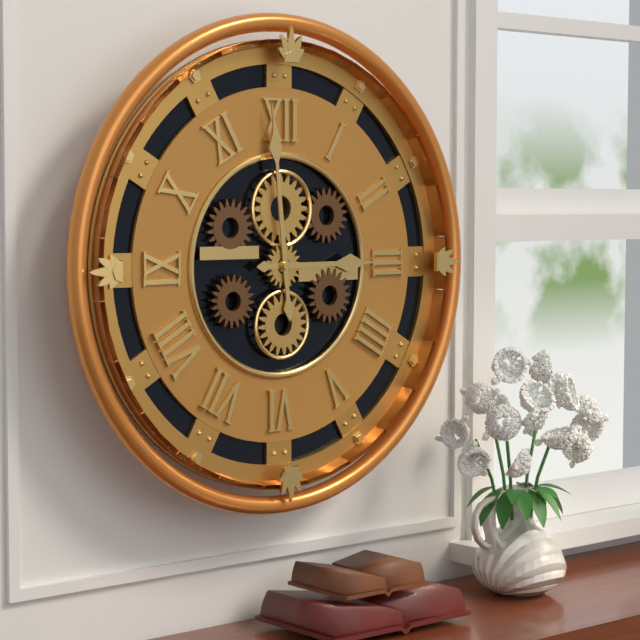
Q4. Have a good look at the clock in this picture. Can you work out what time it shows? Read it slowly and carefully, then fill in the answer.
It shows 2:59
